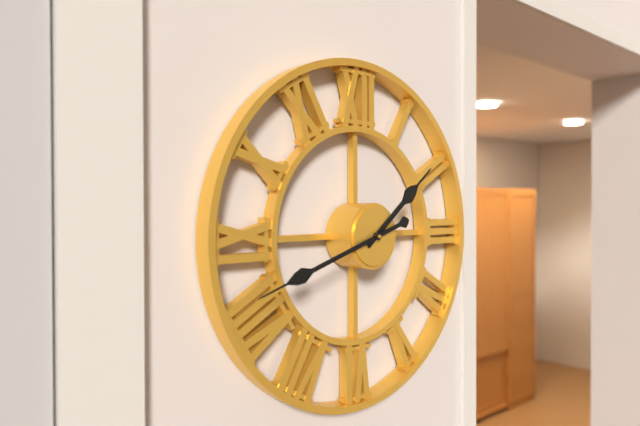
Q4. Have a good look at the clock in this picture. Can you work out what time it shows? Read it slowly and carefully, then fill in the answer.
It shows 1:42
